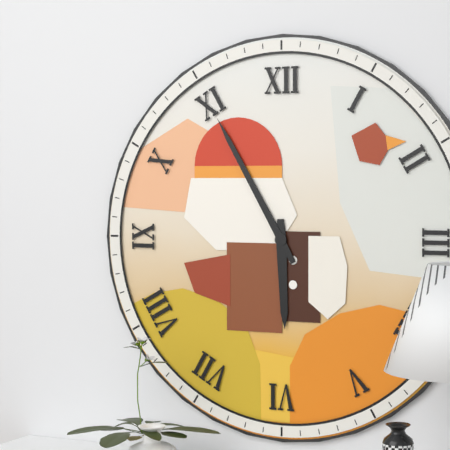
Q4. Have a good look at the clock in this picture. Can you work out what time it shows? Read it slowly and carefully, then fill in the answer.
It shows 5:55
